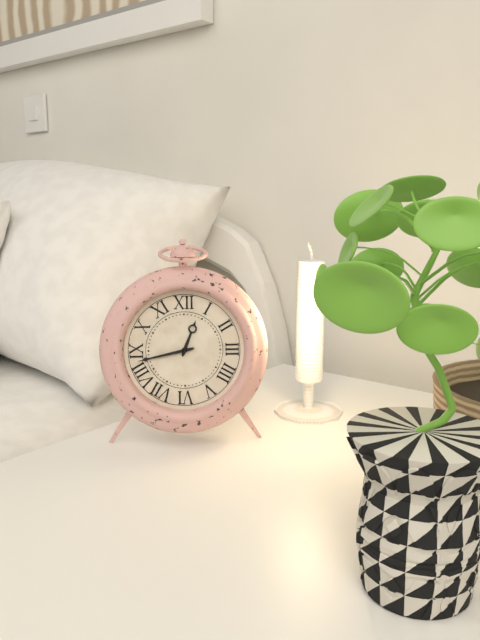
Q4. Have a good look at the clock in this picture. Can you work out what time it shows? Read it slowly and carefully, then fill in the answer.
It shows 12:43
